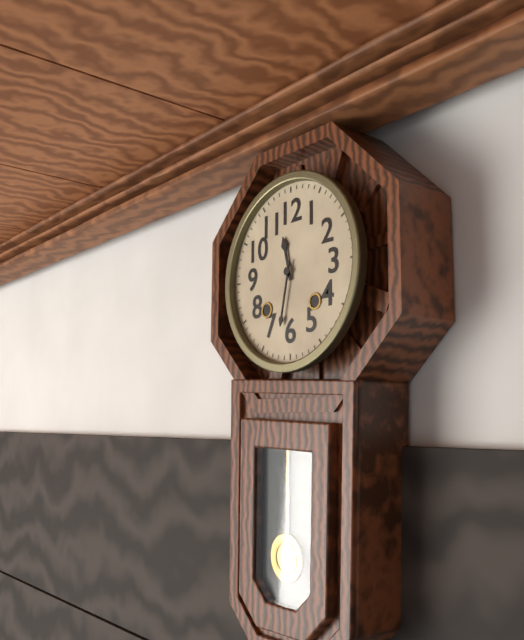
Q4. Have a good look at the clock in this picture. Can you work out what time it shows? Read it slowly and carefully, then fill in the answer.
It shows 11:32
